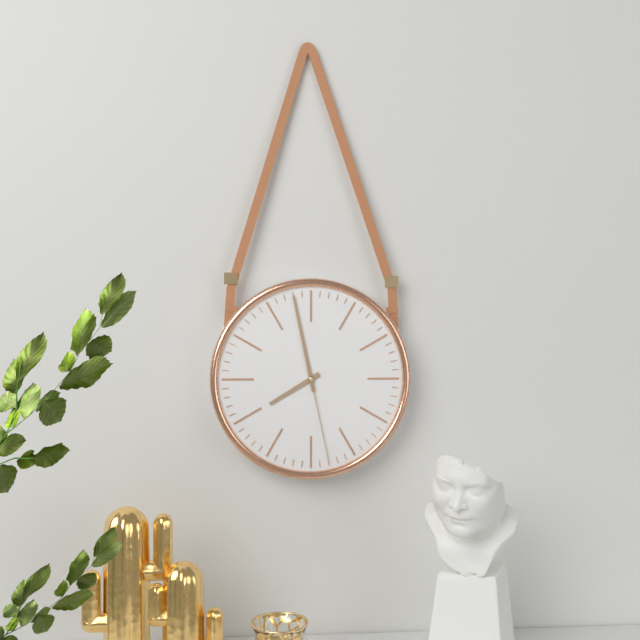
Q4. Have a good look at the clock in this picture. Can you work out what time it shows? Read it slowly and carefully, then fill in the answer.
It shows 7:58:28
